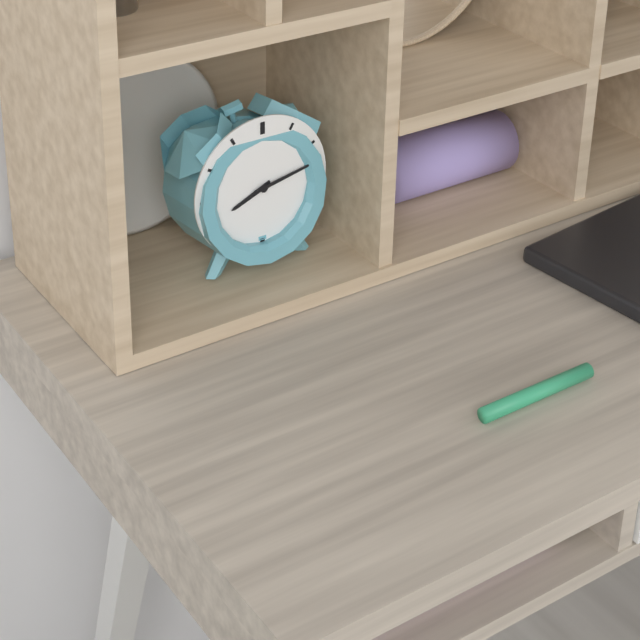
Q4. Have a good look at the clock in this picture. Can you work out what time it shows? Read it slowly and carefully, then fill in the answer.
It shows 8:13
